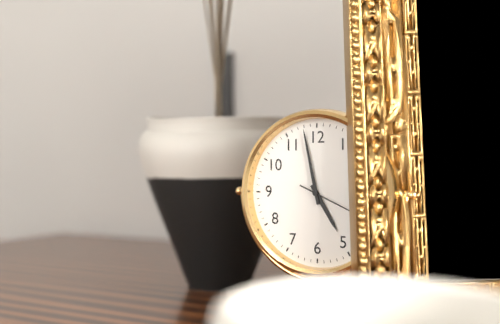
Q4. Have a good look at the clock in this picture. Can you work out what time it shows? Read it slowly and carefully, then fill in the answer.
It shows 4:58
